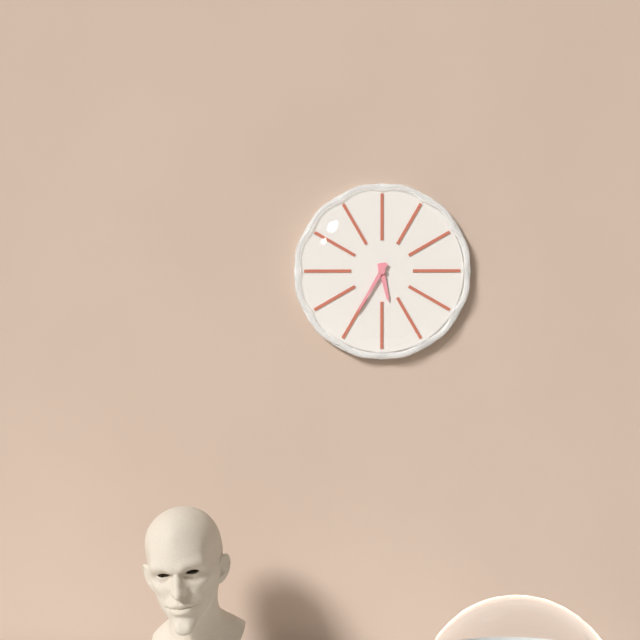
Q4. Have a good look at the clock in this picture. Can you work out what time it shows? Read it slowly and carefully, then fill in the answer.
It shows 5:35
